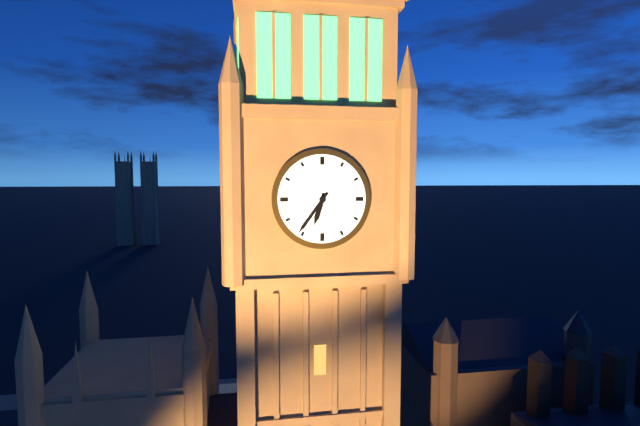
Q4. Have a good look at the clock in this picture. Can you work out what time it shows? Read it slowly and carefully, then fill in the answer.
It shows 6:36
